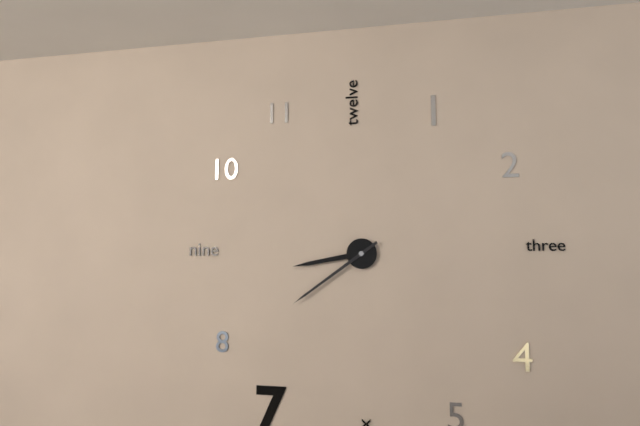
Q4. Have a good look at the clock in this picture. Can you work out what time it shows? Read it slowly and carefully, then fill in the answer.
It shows 8:39
